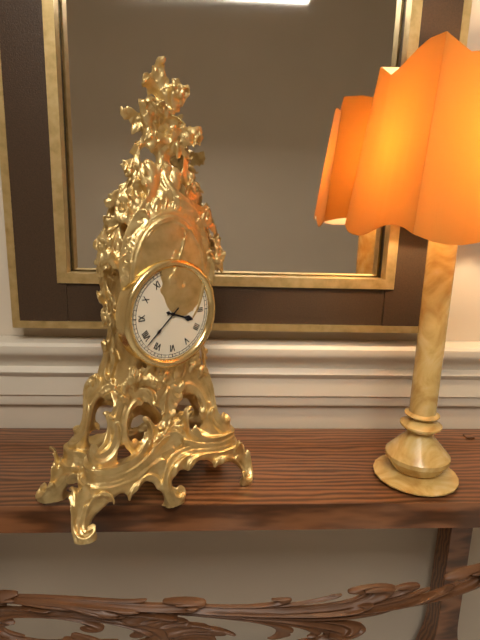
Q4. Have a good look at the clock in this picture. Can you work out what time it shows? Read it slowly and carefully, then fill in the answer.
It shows 3:38
